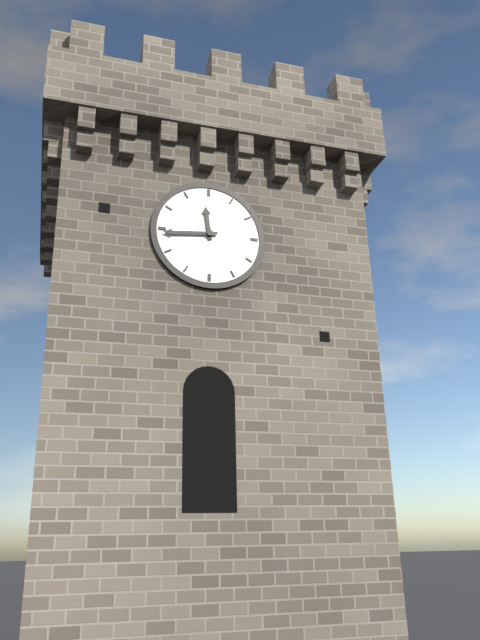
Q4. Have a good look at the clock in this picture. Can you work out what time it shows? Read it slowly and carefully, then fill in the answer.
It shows 11:44
